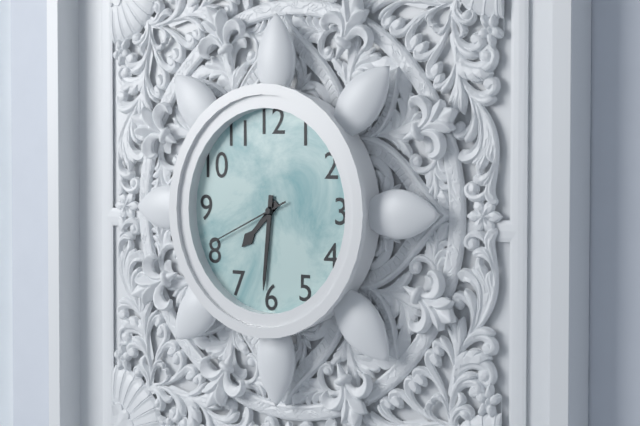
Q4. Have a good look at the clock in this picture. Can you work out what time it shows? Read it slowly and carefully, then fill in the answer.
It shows 7:31:41
